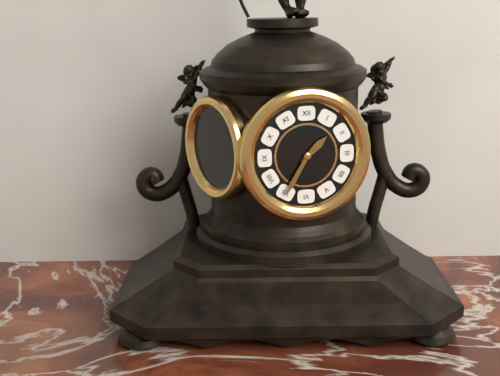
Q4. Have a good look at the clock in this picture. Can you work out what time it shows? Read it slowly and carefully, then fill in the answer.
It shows 1:35
